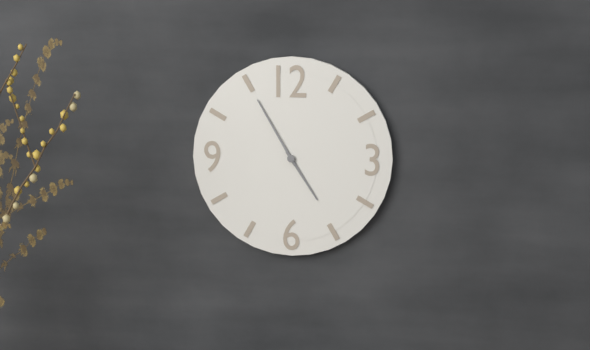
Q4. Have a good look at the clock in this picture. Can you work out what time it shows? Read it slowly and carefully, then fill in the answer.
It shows 4:55
